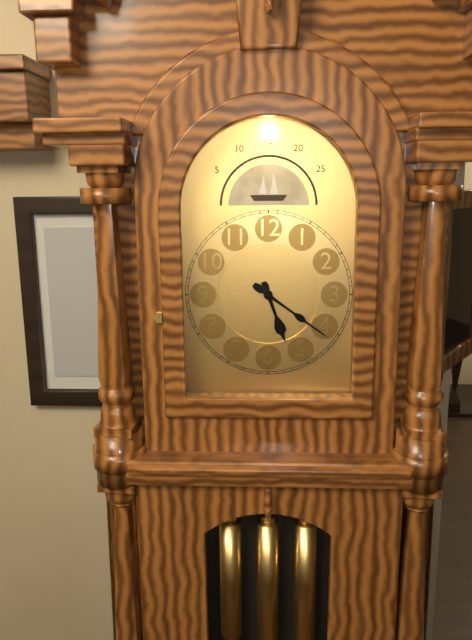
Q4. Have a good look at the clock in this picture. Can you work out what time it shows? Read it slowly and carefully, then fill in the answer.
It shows 5:21
